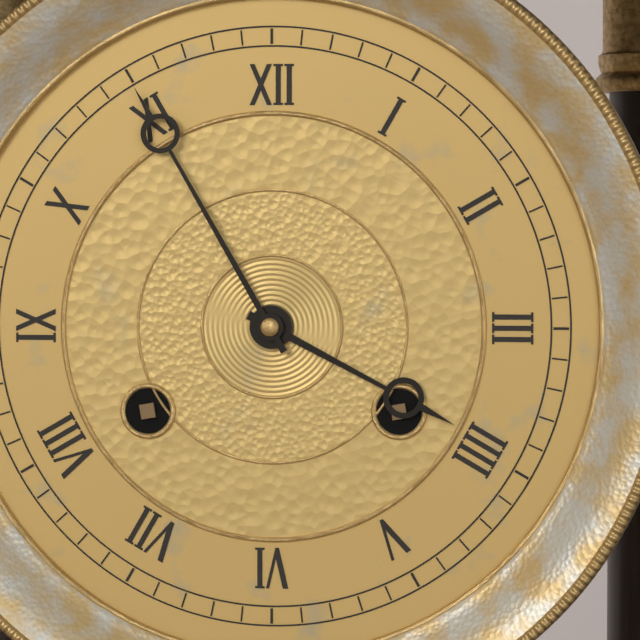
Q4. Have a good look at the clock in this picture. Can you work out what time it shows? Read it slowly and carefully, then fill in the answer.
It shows 3:55
